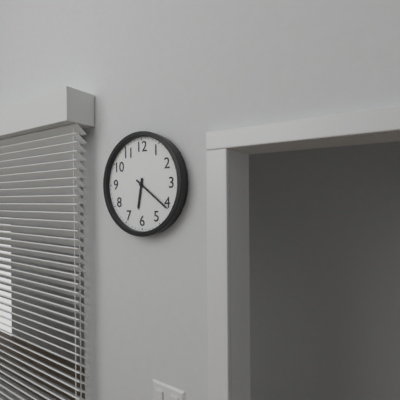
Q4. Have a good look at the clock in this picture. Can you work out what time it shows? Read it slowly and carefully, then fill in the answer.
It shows 6:21
